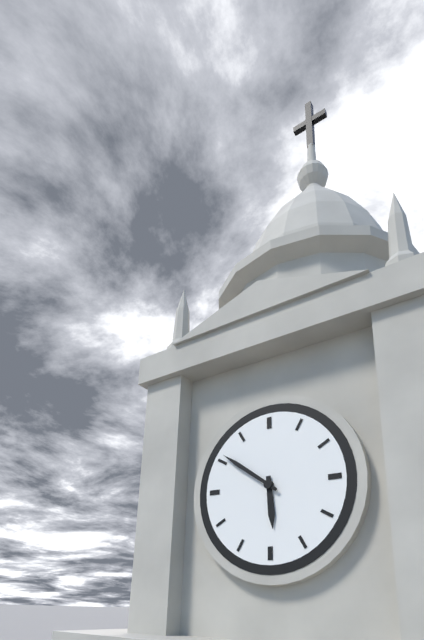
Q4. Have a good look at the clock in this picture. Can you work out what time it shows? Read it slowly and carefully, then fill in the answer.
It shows 5:51
